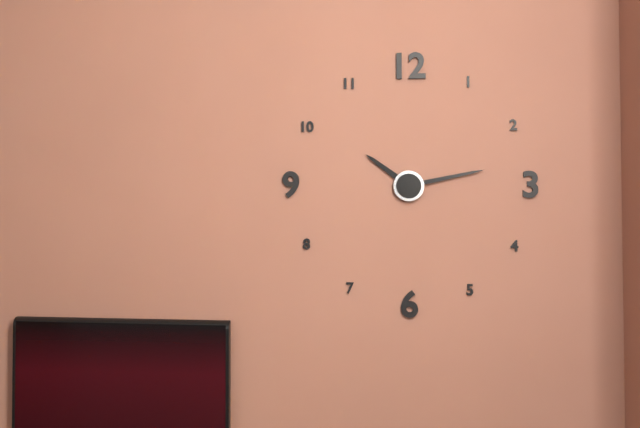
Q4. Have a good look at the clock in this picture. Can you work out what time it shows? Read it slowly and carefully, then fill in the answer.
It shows 10:13
